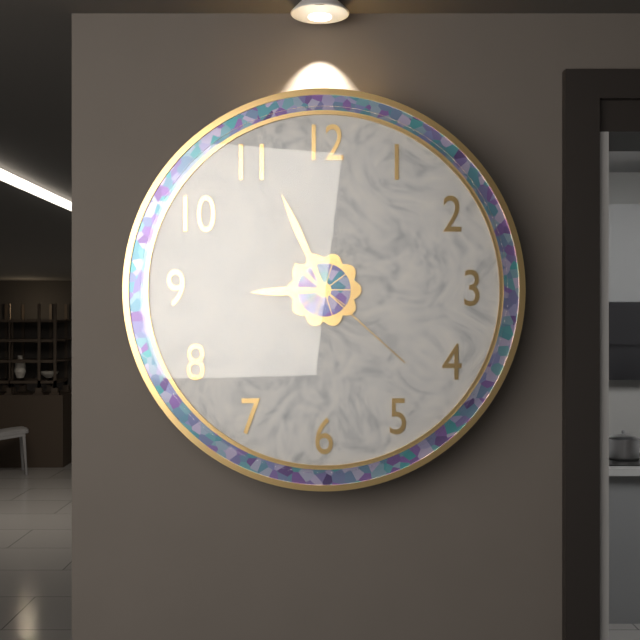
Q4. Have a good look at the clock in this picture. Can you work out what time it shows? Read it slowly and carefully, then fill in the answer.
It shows 8:56:22
